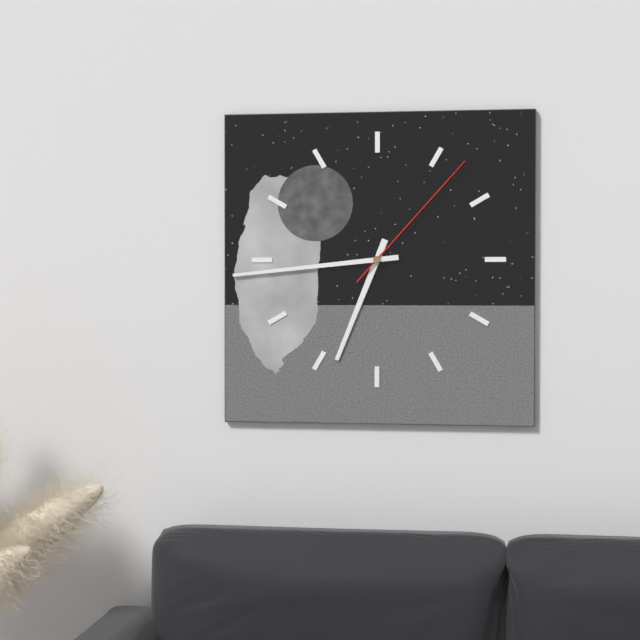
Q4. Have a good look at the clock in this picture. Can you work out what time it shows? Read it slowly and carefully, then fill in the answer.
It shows 6:44:07
